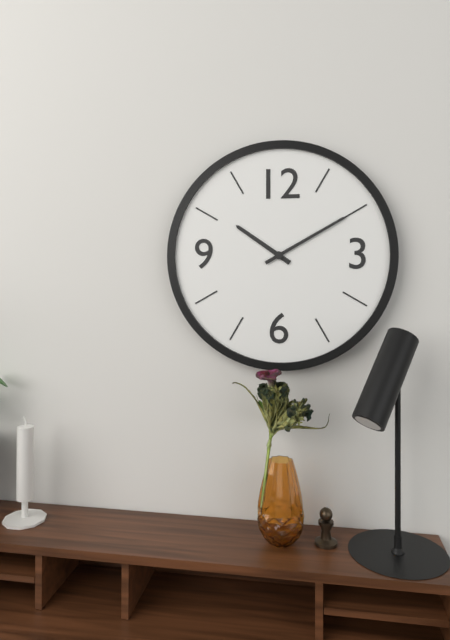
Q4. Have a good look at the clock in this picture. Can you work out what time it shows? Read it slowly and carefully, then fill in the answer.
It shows 10:10
